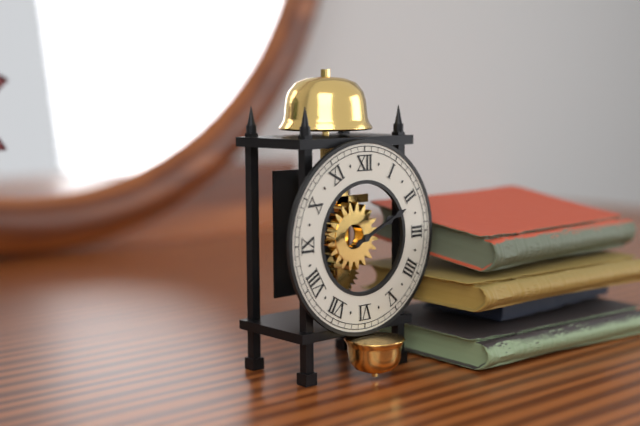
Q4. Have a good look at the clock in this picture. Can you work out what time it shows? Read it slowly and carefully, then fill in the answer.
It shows 2:11
